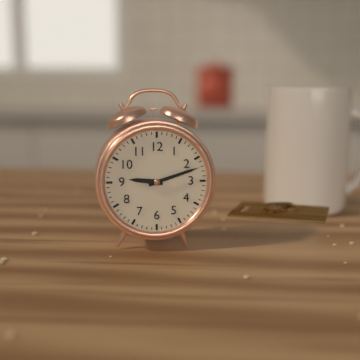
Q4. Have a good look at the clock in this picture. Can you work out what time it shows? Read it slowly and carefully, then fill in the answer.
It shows 9:12
